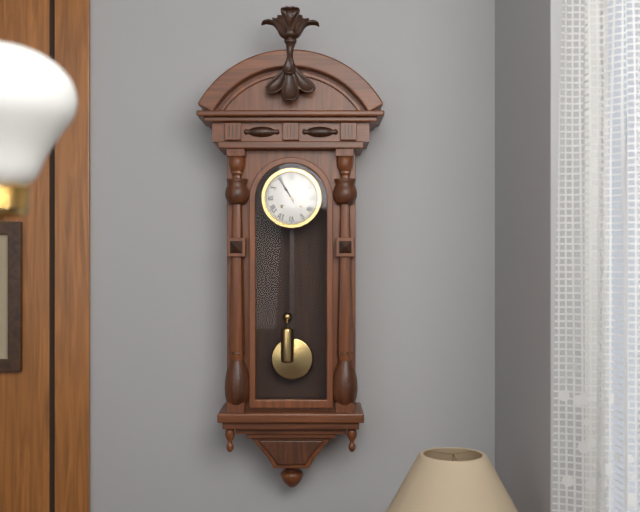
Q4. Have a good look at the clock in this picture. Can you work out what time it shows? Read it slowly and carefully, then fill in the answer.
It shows 10:55
